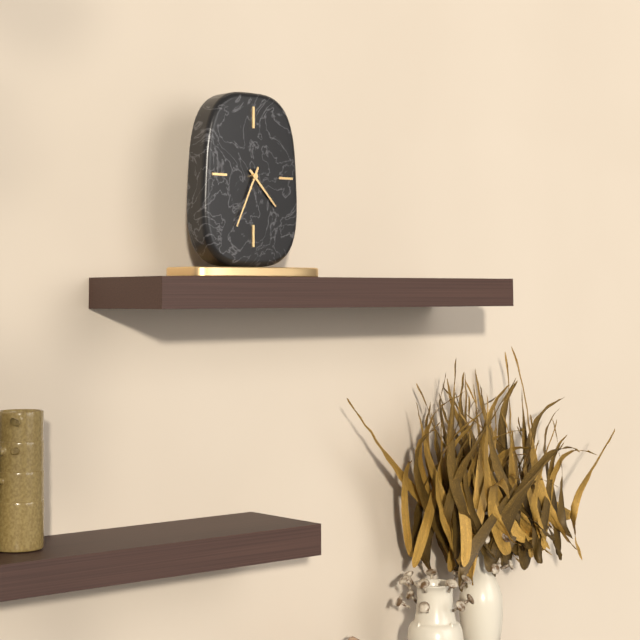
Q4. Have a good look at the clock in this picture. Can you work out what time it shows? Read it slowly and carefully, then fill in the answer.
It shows 4:34
